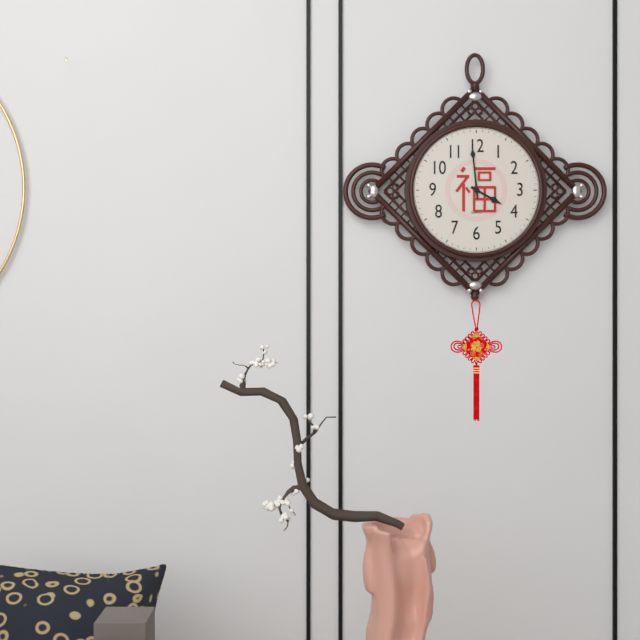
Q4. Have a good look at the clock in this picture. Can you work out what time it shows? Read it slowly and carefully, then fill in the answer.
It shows 3:59
